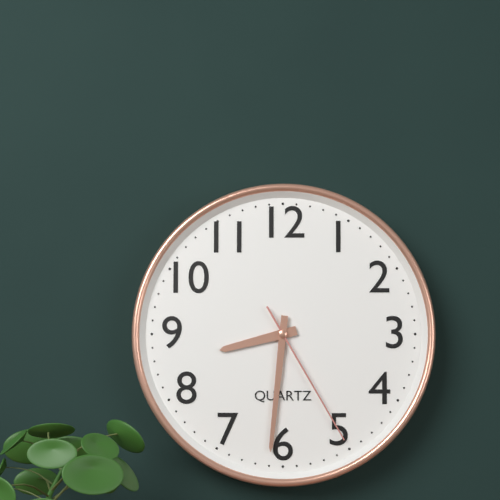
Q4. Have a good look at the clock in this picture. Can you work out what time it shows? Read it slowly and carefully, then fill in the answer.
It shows 8:31:25
